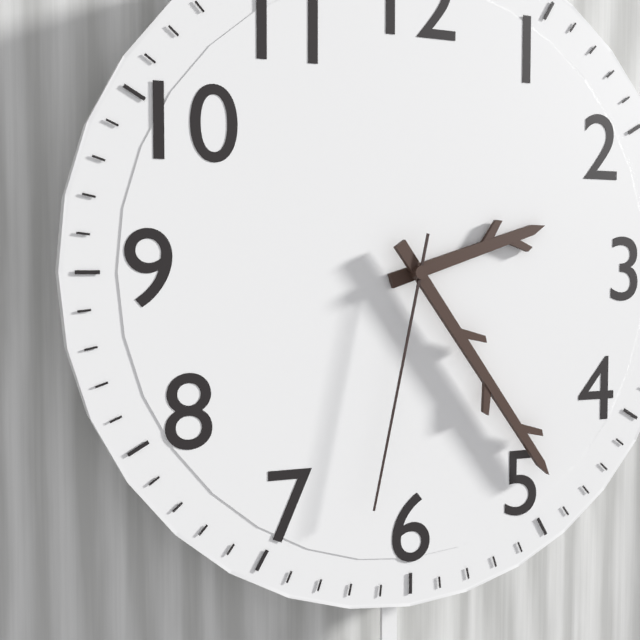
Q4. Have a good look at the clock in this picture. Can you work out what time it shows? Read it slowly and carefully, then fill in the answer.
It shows 2:24:32
